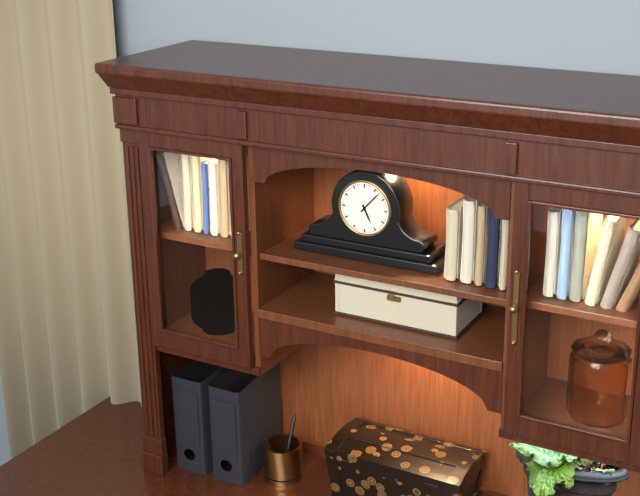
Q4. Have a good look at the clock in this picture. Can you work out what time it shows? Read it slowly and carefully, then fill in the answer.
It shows 5:07
